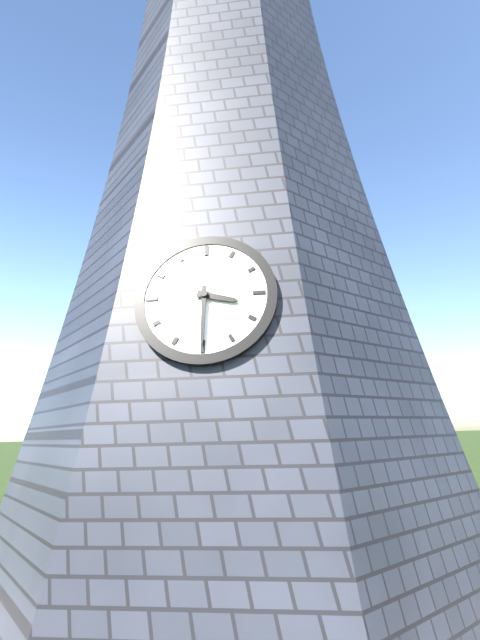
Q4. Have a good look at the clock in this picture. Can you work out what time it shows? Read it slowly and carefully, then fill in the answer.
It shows 3:30
